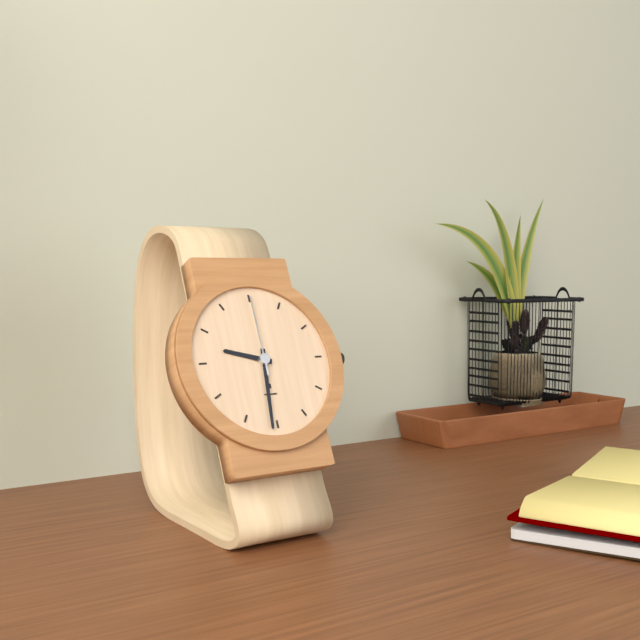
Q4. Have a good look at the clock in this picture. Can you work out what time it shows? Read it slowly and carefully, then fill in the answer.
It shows 9:31:00
